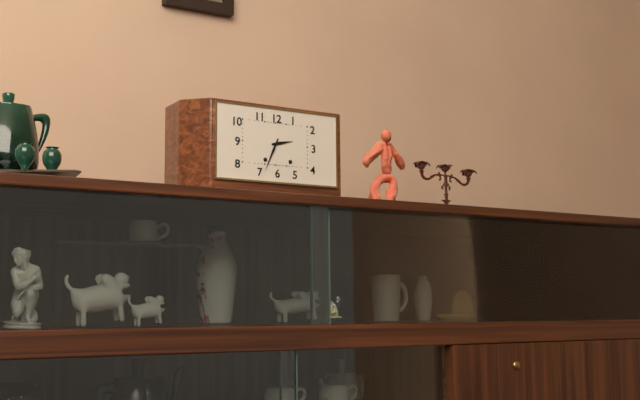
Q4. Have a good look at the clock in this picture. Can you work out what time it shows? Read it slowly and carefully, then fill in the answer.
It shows 2:34
